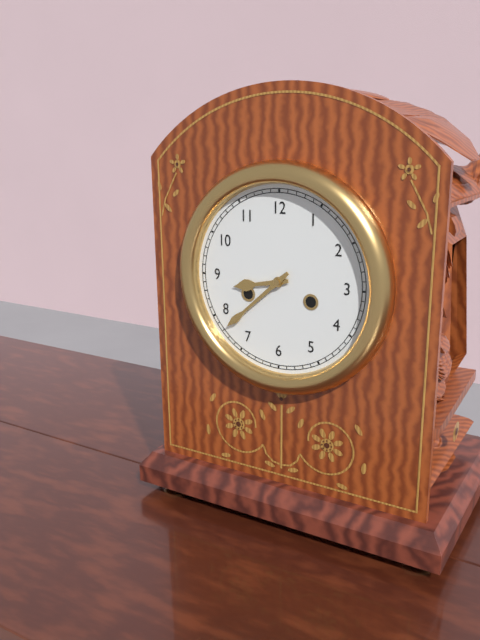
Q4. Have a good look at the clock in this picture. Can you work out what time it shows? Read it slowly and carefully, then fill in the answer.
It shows 8:38
